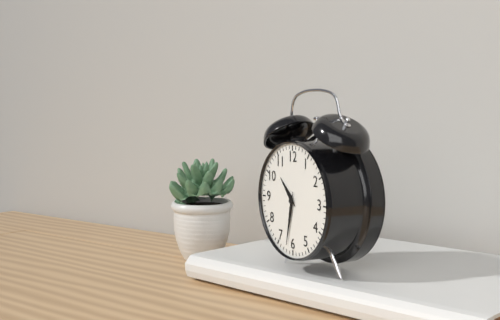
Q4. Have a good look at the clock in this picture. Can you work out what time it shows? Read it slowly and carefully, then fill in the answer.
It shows 10:32
